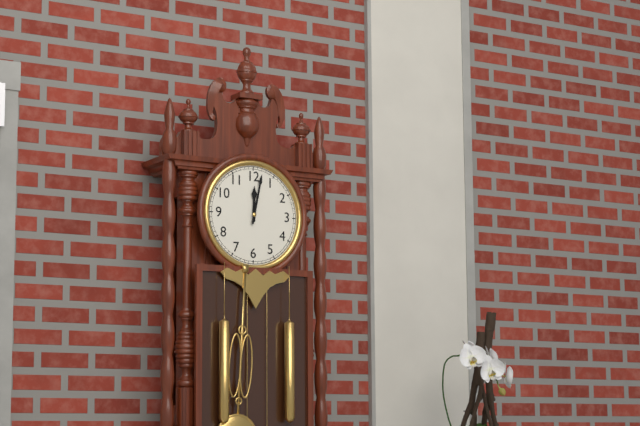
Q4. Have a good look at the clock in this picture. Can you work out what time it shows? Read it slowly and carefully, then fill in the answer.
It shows 12:02
